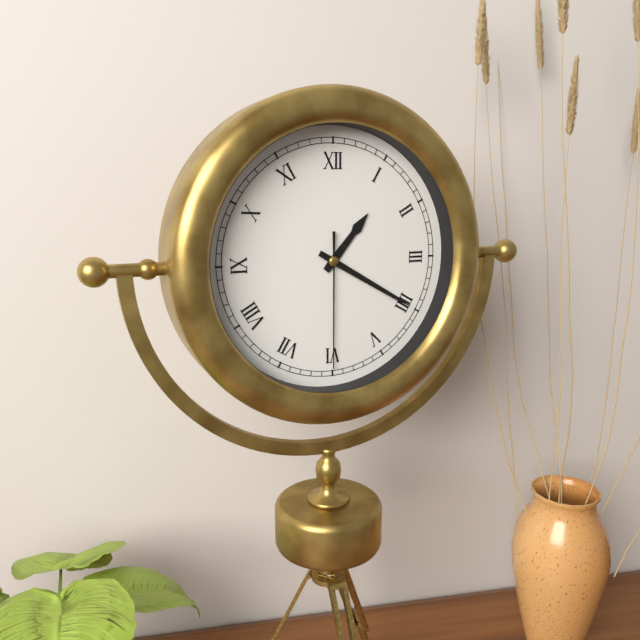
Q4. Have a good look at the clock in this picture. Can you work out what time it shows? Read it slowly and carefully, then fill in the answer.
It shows 1:20:30
